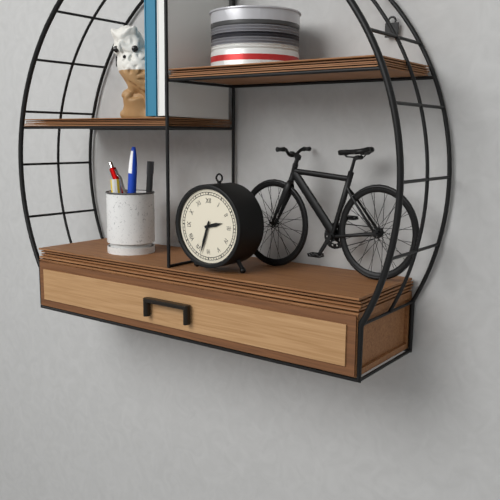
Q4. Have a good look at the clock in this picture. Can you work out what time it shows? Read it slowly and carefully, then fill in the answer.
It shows 2:33
